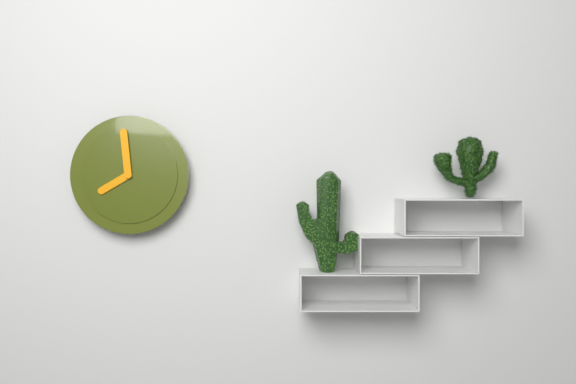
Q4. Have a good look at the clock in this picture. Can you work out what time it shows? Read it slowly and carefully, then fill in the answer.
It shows 7:59
